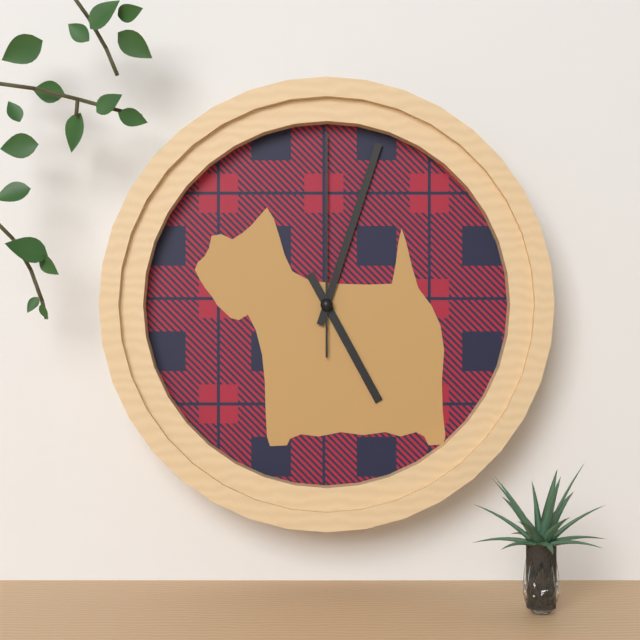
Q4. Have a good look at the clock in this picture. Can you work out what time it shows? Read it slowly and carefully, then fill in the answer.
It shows 5:03:00
